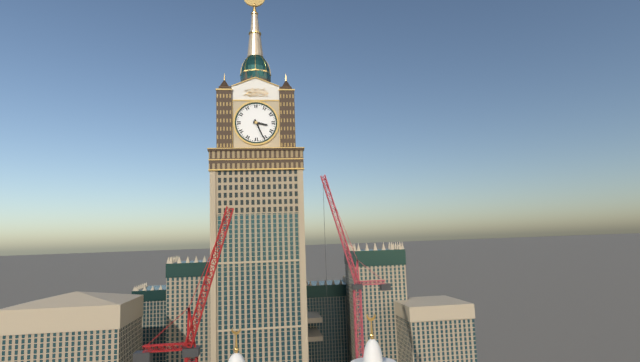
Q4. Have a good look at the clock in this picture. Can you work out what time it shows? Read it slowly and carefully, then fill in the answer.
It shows 3:26
